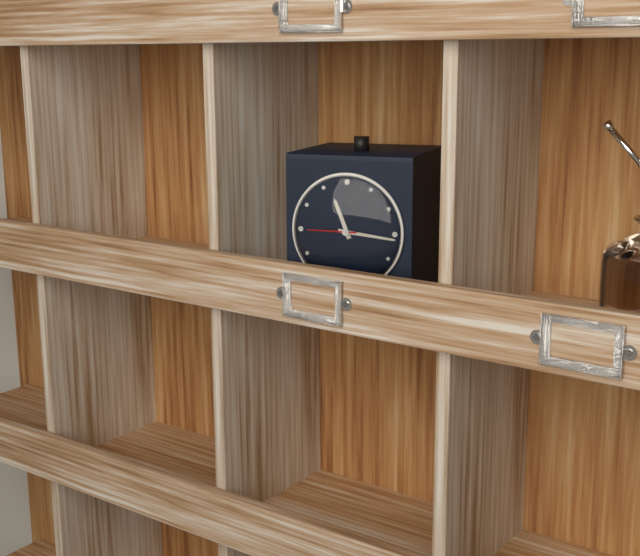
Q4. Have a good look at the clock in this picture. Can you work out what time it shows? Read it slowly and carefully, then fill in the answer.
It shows 11:16
